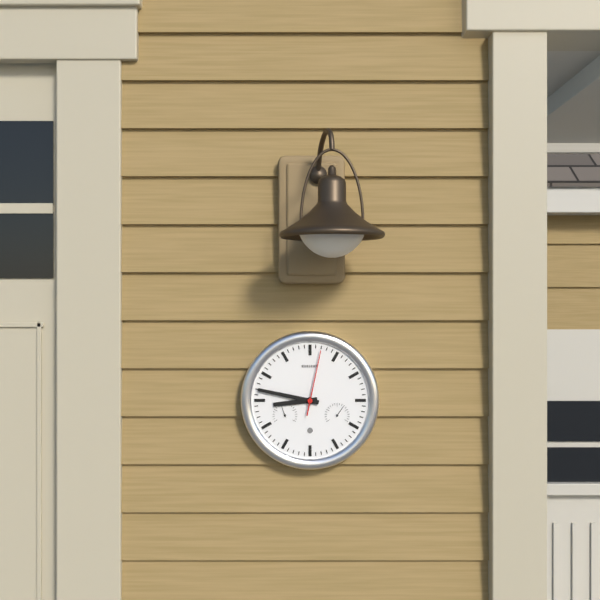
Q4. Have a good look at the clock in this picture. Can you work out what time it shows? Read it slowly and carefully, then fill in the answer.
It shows 8:47:02
